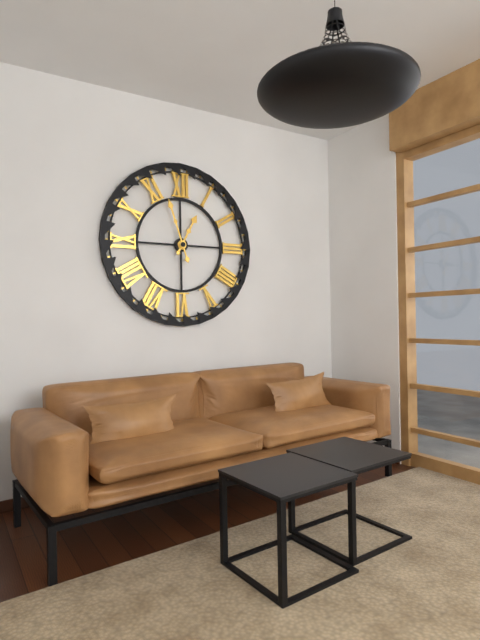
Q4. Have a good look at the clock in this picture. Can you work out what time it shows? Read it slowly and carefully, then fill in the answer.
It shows 12:57
